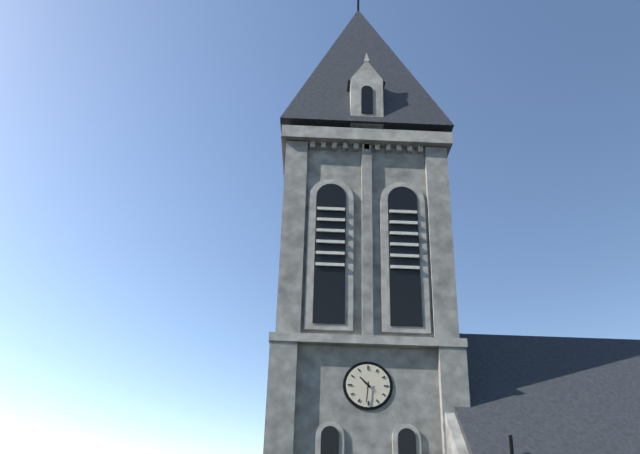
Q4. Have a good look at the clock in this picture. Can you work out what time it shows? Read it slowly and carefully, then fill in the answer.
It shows 10:31
